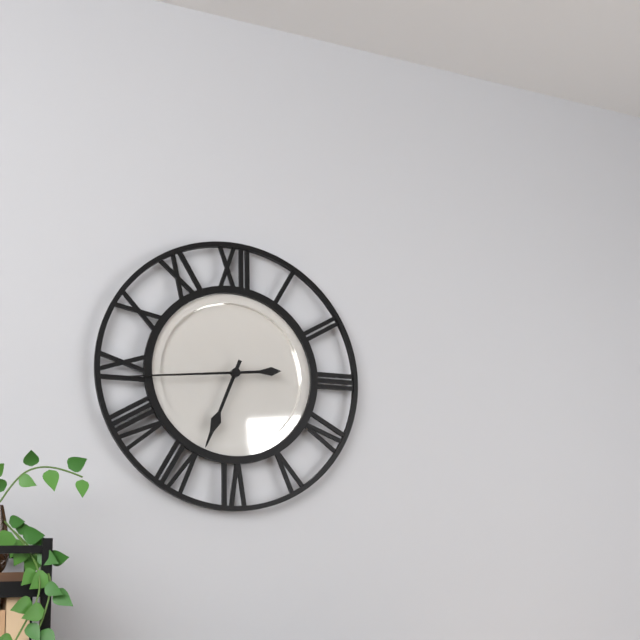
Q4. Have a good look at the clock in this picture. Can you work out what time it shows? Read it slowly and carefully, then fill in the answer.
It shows 6:44
